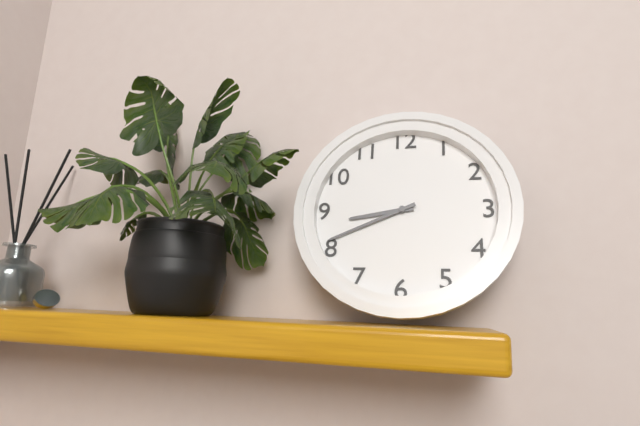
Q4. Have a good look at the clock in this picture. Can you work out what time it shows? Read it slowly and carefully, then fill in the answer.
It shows 8:41
